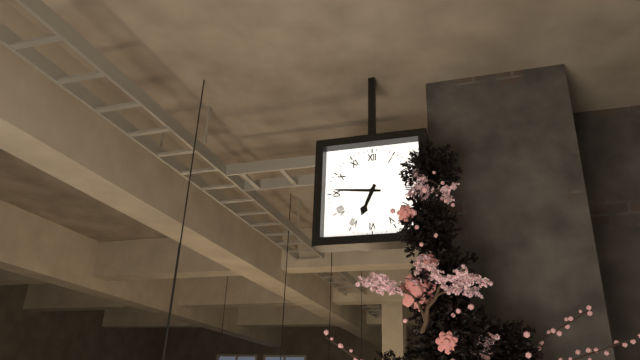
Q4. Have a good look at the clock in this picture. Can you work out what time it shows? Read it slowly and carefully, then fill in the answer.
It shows 6:46
